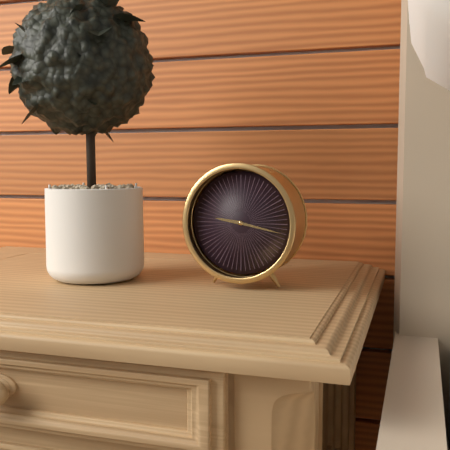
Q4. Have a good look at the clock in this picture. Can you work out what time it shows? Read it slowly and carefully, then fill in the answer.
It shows 9:17
